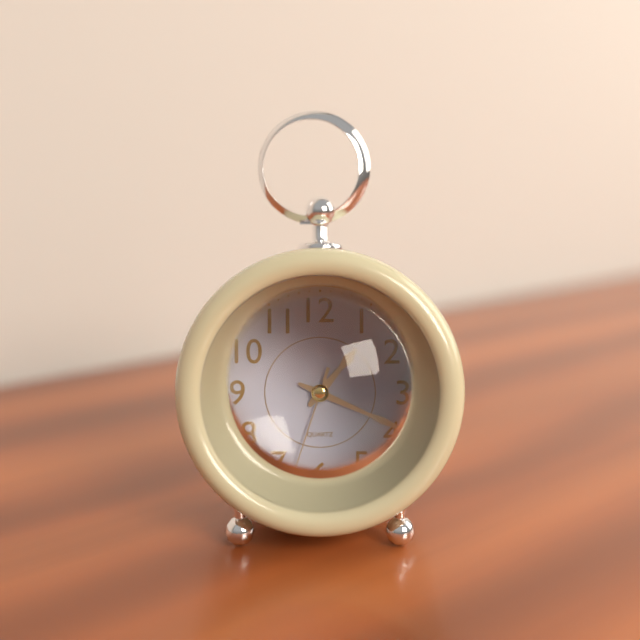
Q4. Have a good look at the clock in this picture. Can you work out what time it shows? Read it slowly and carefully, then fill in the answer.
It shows 1:19:33
